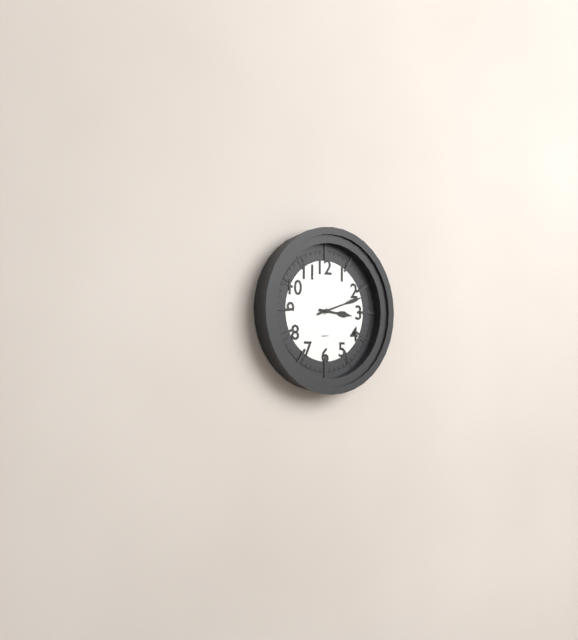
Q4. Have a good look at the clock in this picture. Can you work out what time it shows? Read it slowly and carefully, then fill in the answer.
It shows 3:12
